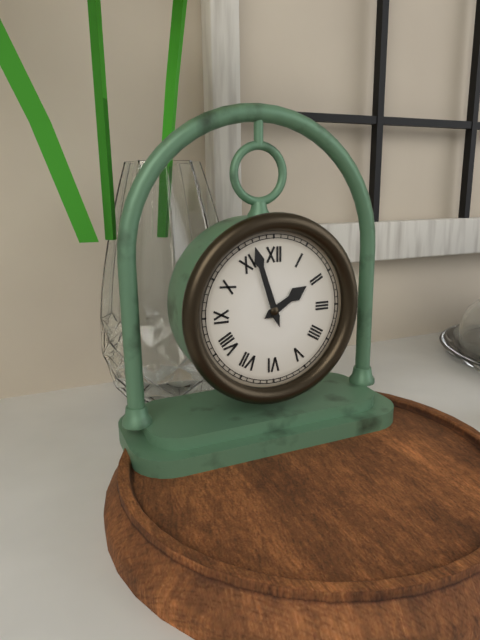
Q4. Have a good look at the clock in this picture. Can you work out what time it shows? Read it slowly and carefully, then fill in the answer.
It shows 1:57
